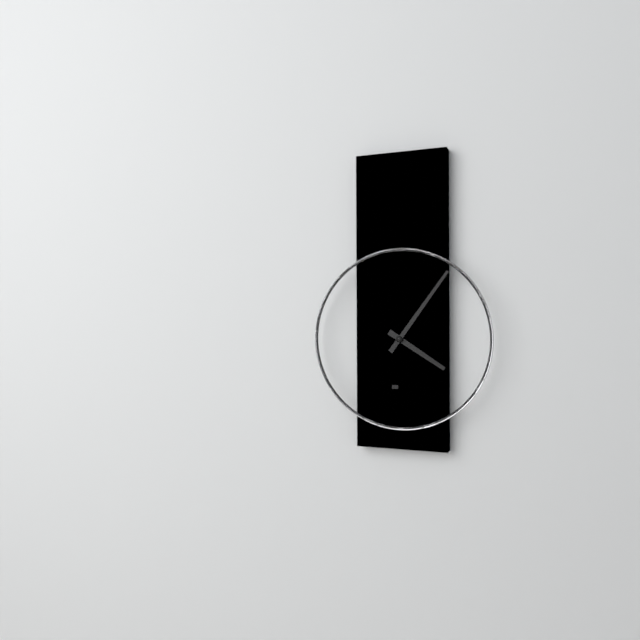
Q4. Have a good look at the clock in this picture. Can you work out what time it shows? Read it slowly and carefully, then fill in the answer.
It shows 4:06
